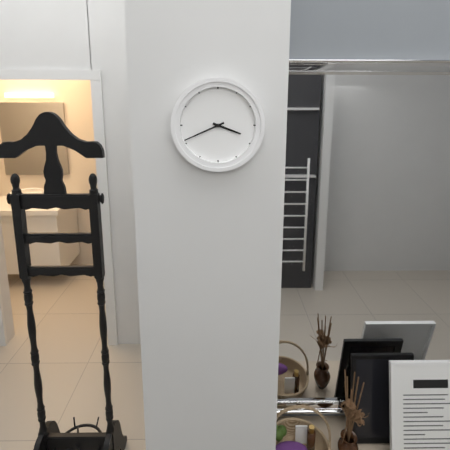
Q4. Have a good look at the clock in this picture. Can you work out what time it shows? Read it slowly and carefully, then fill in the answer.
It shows 3:41
